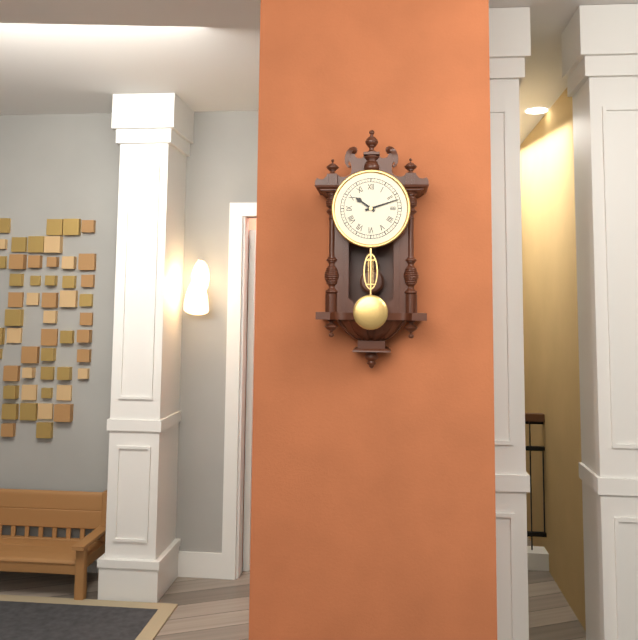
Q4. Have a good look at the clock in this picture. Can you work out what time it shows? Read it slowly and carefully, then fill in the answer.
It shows 10:12
